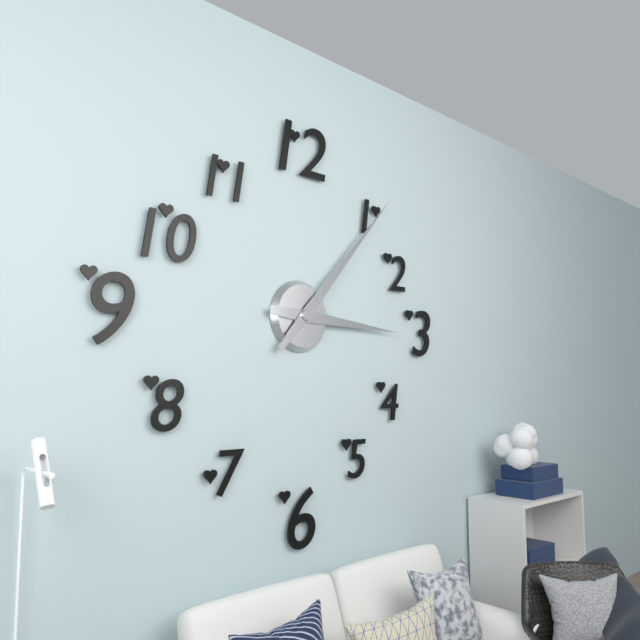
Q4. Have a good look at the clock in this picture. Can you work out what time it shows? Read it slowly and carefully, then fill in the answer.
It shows 3:07
